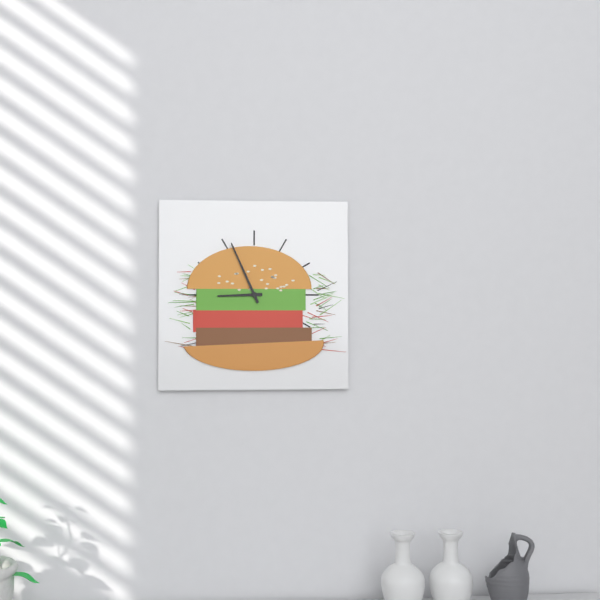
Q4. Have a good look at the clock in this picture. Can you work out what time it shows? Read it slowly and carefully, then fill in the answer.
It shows 8:56
